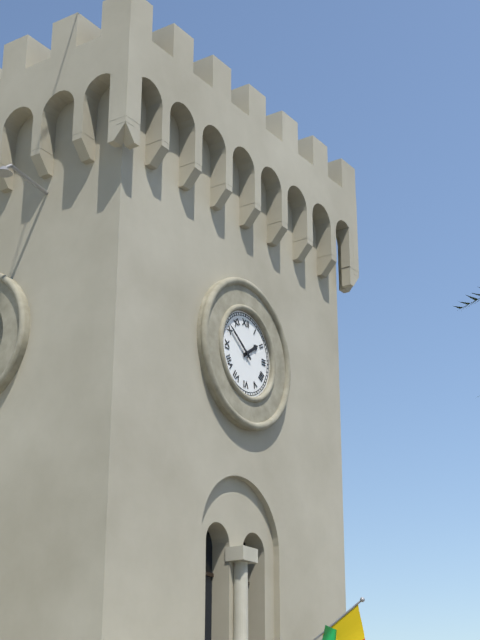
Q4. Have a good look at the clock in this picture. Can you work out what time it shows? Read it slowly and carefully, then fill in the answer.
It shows 1:51
